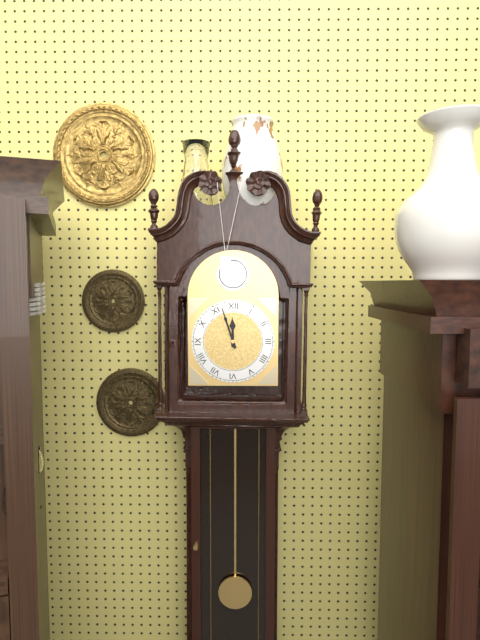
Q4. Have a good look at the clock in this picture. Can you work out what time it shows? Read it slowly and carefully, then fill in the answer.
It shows 11:57
